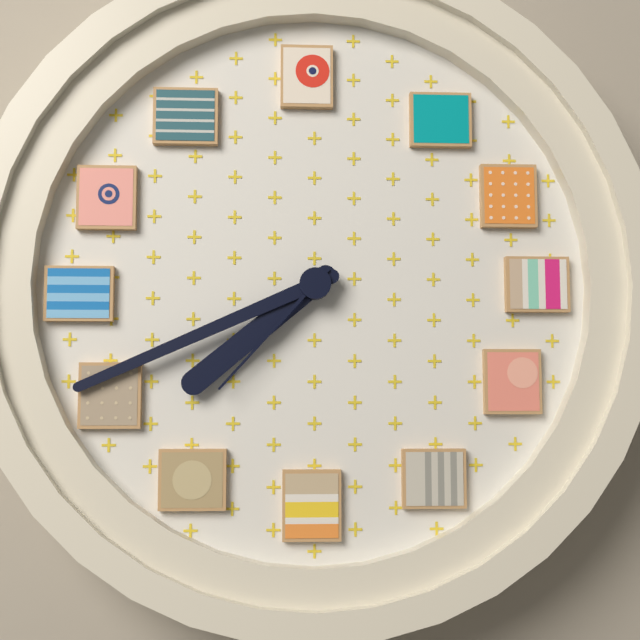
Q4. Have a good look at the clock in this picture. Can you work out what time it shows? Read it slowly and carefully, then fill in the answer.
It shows 7:41:37
